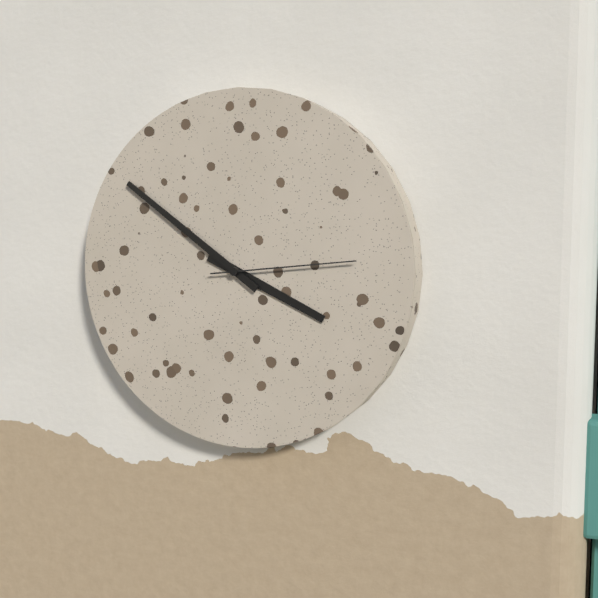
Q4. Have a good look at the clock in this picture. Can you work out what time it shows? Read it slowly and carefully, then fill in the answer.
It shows 3:51:14
